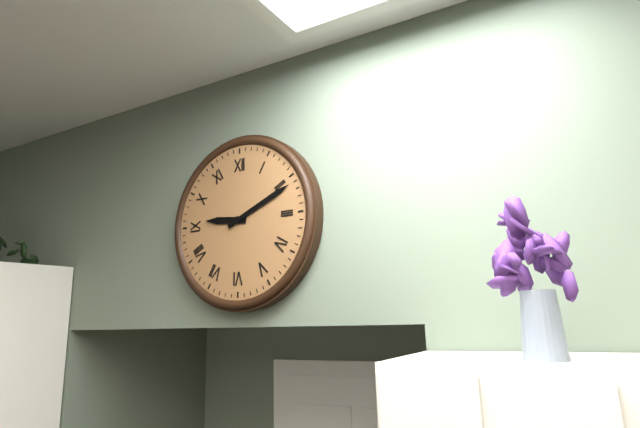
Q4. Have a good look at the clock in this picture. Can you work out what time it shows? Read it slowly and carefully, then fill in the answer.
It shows 9:11
